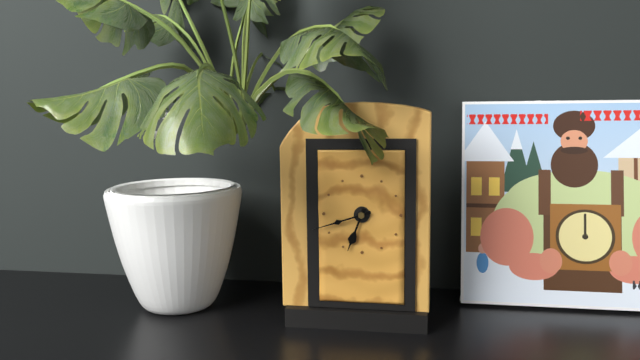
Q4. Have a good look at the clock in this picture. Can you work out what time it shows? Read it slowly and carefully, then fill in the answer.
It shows 6:42
